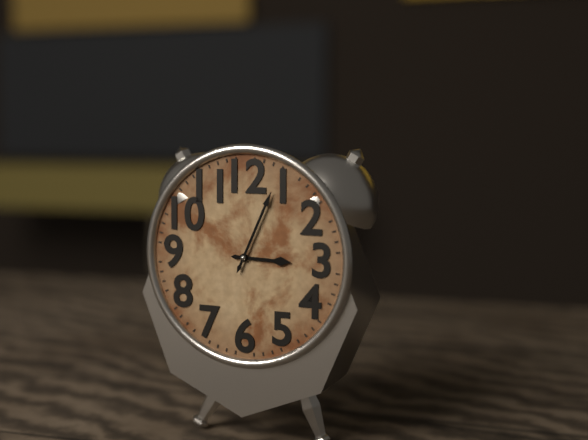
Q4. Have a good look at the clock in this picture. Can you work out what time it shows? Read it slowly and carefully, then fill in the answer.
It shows 3:04
